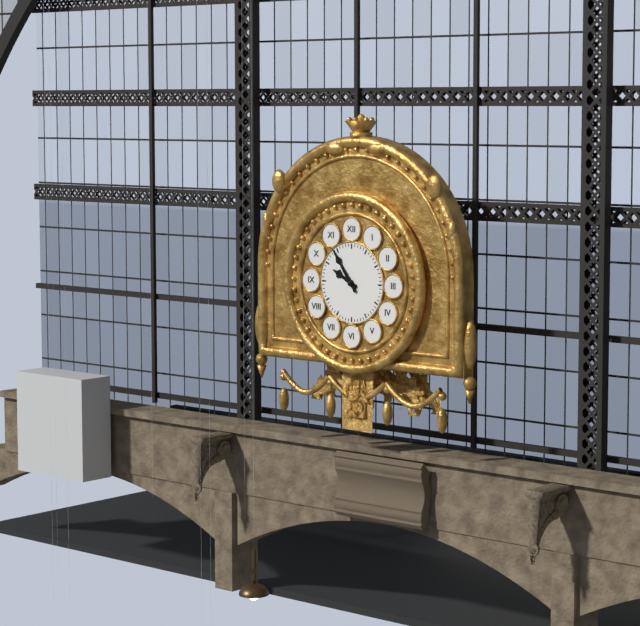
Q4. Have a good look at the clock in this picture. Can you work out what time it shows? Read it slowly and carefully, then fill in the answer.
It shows 9:54
